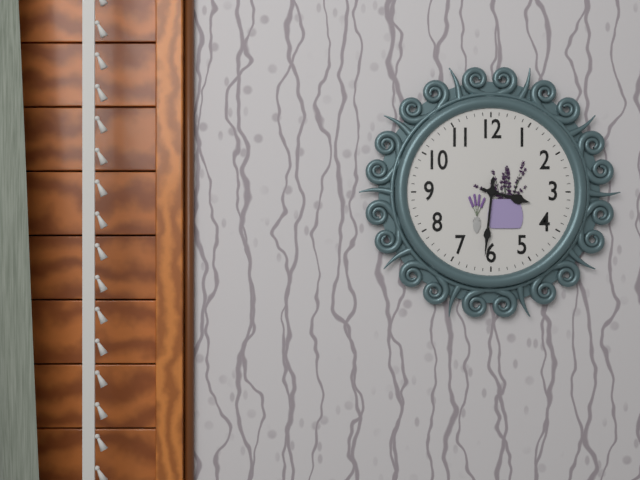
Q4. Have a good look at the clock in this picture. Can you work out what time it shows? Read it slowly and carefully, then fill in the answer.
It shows 3:31
